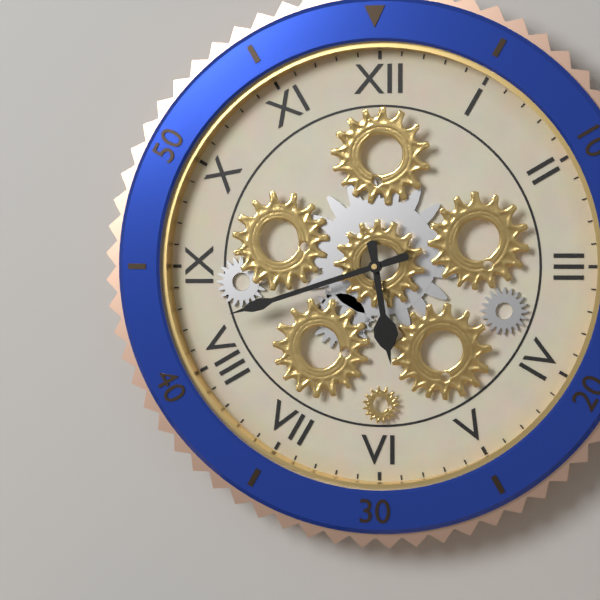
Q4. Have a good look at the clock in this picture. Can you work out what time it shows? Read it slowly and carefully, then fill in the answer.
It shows 5:42
